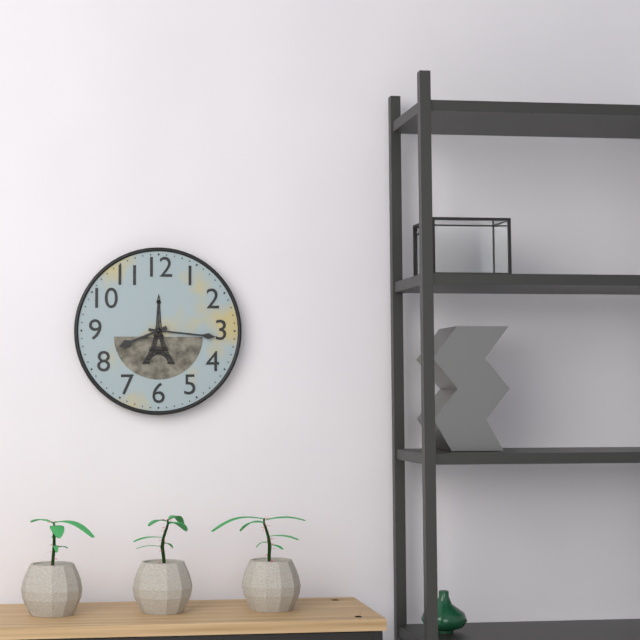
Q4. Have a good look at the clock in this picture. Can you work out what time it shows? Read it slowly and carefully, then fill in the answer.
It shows 8:16
